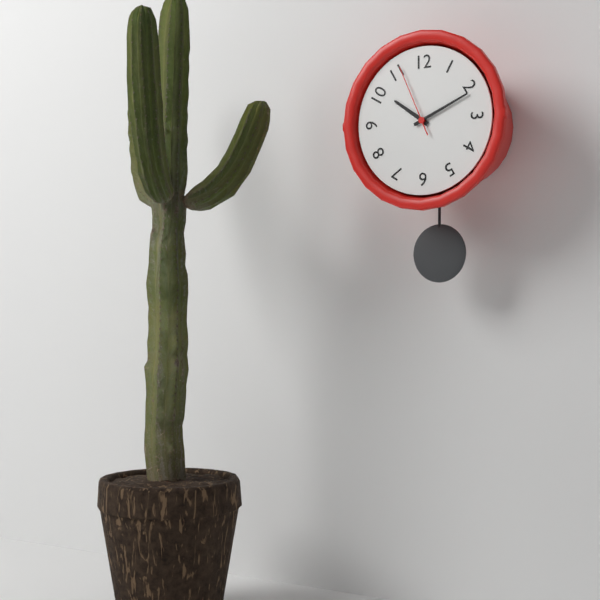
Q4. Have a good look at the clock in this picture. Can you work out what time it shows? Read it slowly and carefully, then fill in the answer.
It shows 10:11:56
